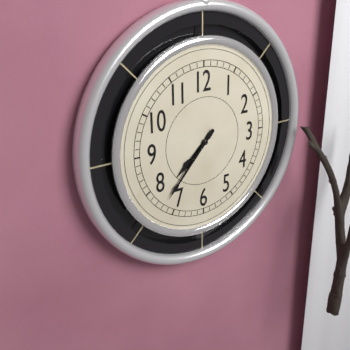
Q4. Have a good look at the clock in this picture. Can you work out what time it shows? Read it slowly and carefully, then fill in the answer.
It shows 7:37
